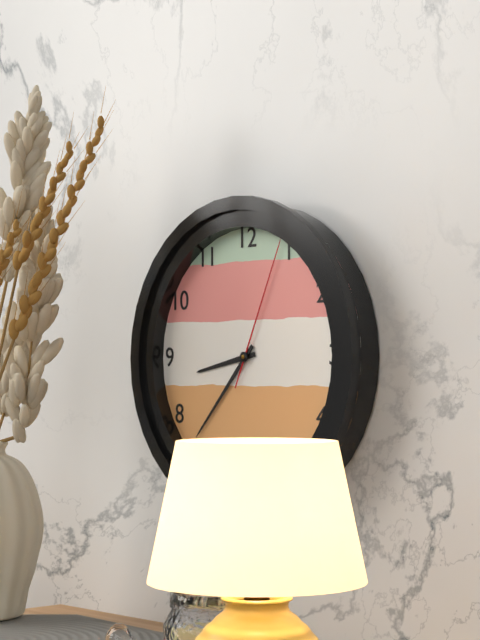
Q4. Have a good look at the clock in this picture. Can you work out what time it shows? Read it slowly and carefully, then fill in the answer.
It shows 8:37:04
